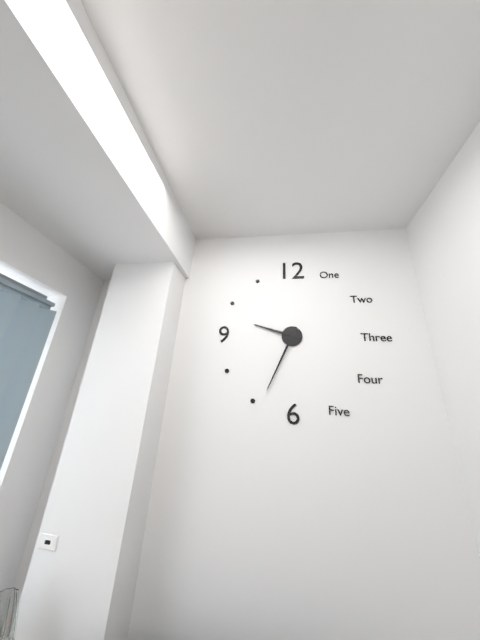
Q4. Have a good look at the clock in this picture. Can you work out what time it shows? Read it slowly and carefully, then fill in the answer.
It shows 9:34
